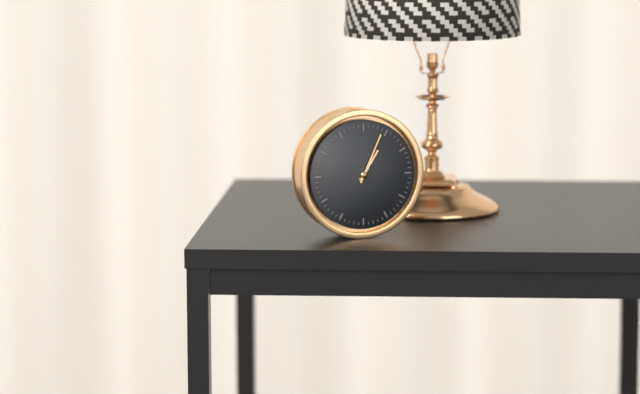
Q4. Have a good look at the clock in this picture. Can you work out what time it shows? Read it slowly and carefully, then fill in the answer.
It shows 1:04
